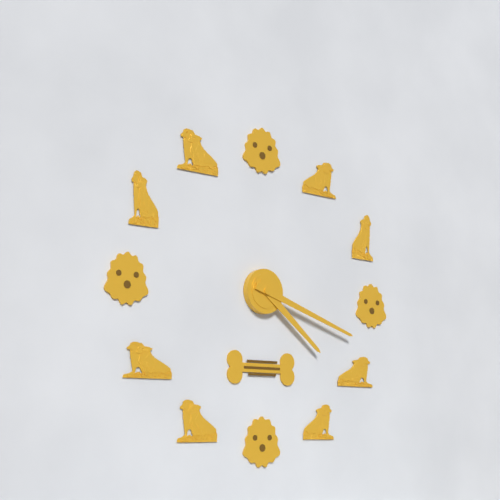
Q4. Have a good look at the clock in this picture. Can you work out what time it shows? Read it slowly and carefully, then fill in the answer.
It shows 4:18
